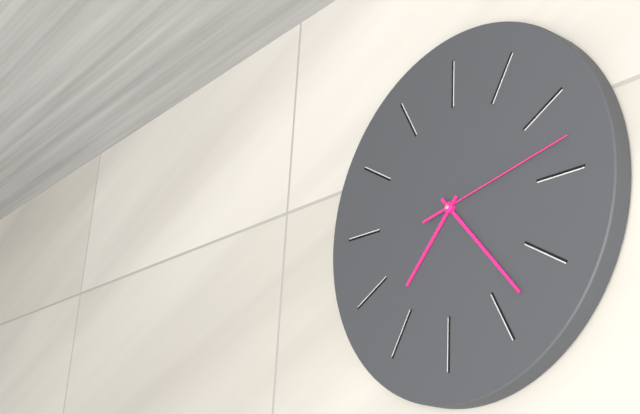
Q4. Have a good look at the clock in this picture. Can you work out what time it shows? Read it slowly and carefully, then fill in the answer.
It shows 7:23:13
